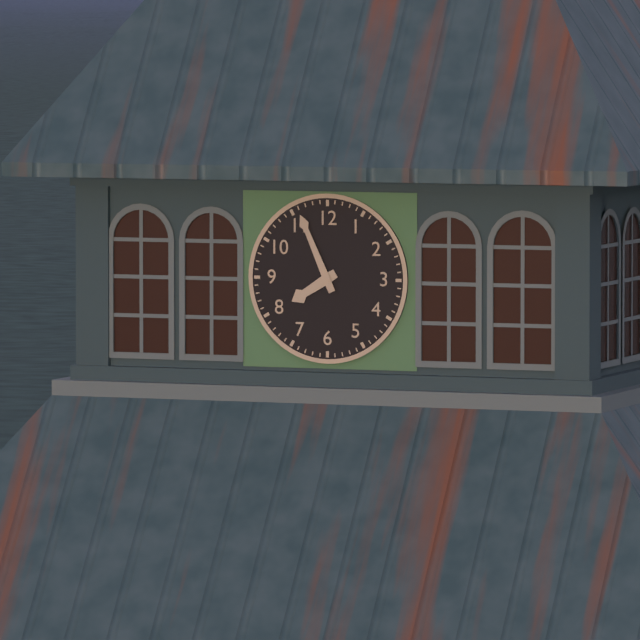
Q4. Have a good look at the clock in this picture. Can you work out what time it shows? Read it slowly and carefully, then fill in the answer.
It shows 7:56
